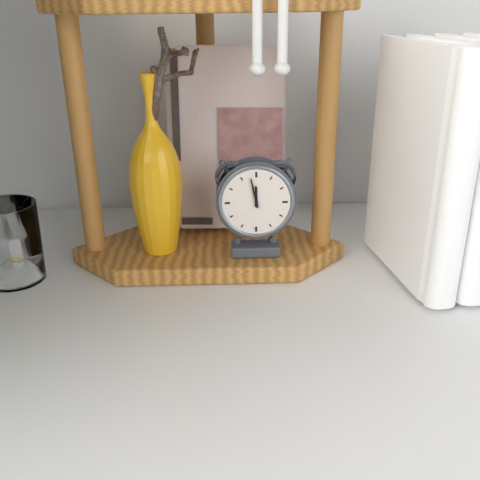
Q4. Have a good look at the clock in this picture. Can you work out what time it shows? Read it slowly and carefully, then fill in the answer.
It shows 11:58
